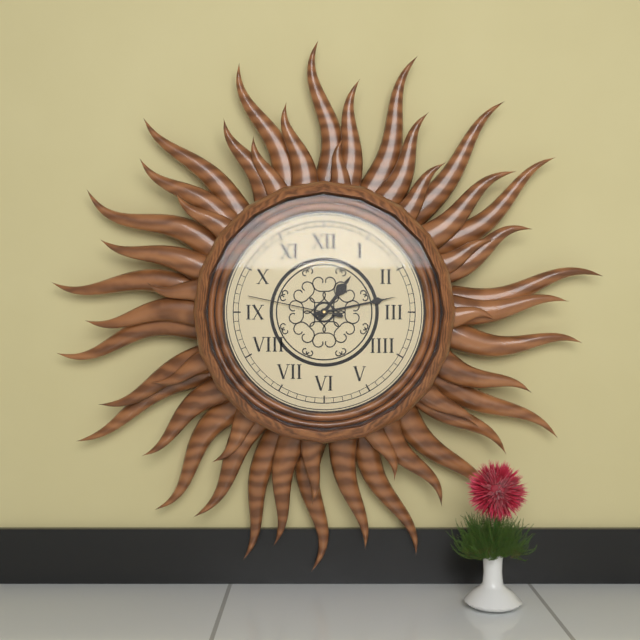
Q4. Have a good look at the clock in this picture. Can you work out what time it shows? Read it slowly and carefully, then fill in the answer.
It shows 1:13:47
